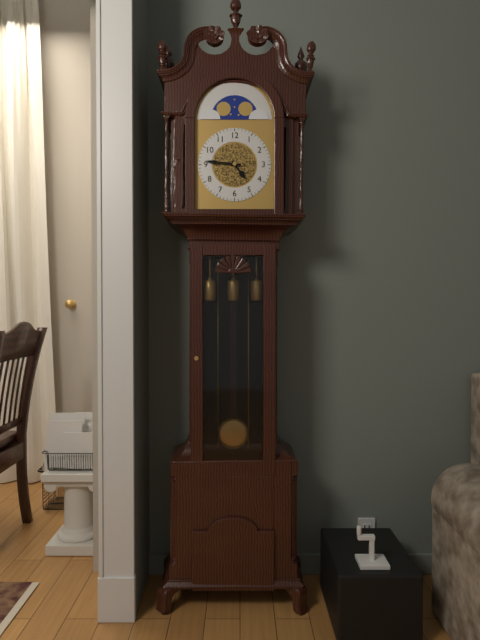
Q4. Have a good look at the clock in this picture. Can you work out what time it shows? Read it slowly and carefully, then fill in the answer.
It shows 4:46
